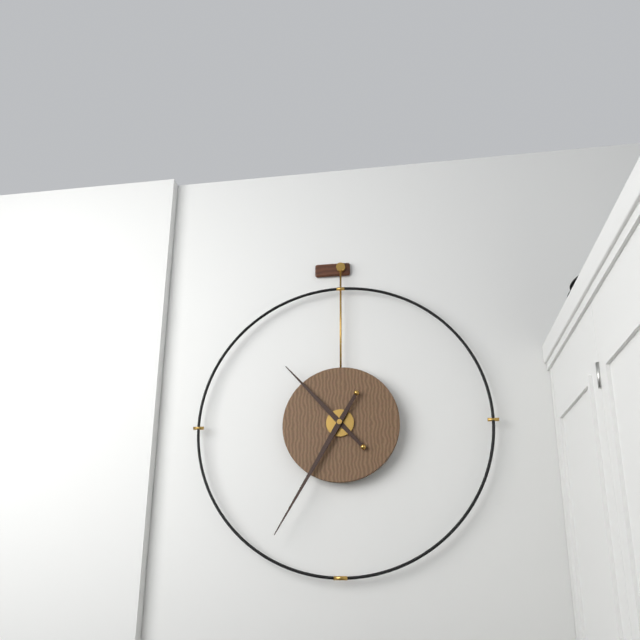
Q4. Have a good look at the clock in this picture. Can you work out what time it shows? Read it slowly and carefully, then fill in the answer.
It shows 10:35
